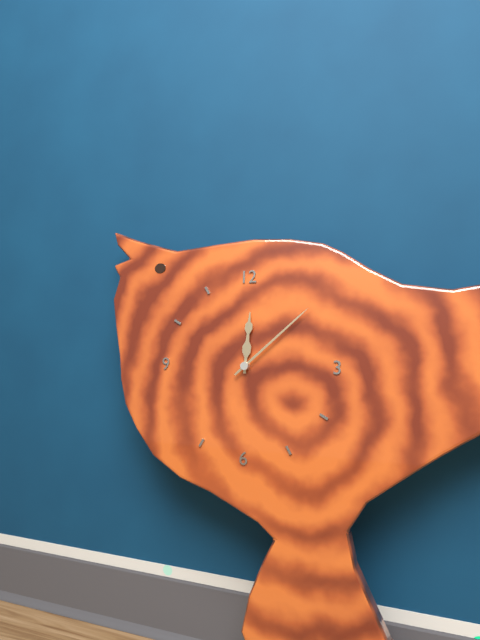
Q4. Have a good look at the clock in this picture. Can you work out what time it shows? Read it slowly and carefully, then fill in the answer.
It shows 12:08
